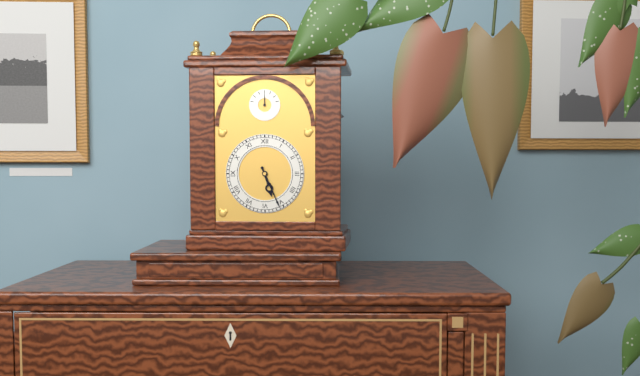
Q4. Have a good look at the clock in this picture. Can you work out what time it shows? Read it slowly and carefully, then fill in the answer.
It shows 5:26
